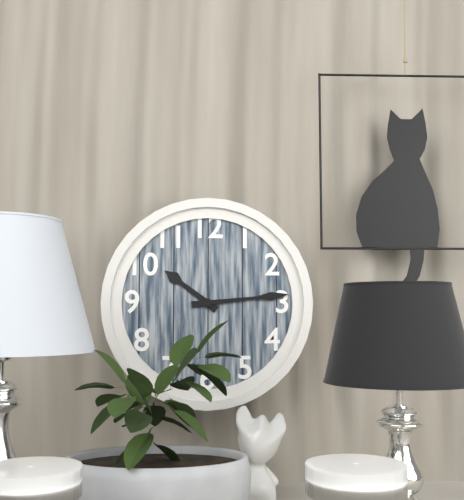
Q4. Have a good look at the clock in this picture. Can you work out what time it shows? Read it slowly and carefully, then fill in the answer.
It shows 10:14
